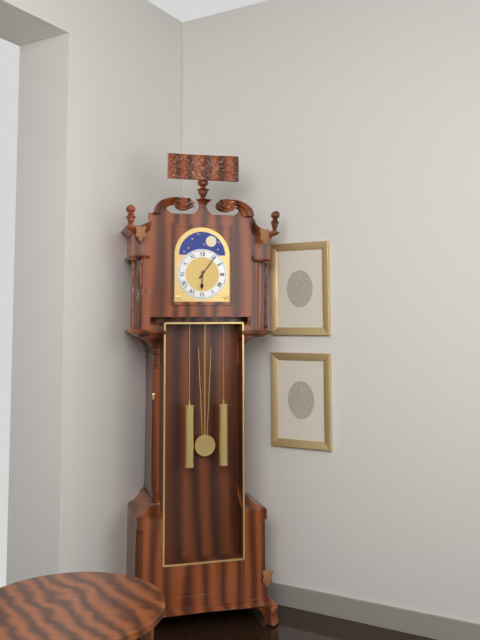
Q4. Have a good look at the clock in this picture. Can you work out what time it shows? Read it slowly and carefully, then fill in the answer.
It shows 6:06
